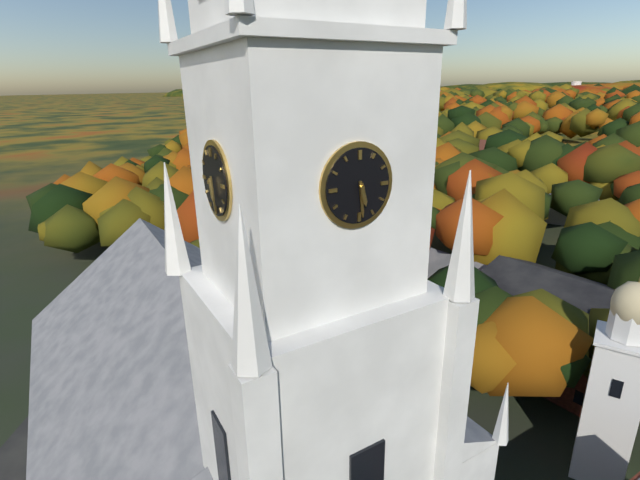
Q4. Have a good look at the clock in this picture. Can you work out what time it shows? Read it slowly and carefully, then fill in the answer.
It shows 5:29
